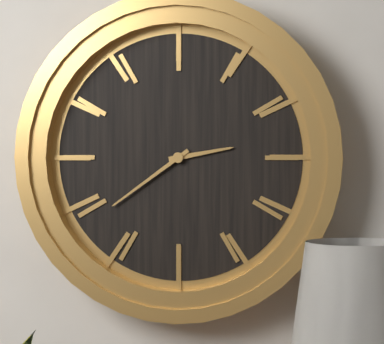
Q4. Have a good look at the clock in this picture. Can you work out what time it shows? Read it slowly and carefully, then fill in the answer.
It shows 2:39
